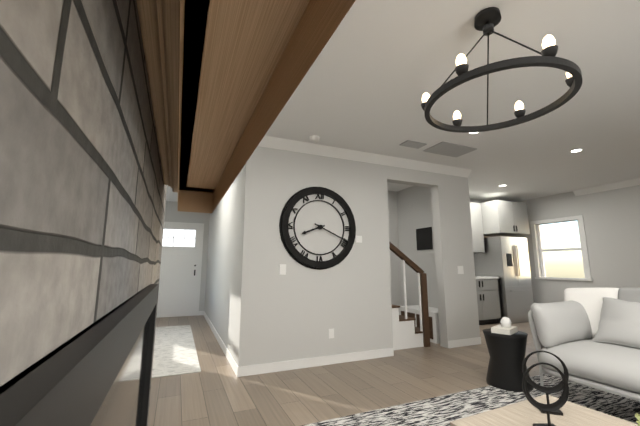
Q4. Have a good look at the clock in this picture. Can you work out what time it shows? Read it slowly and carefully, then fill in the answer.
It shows 8:19
